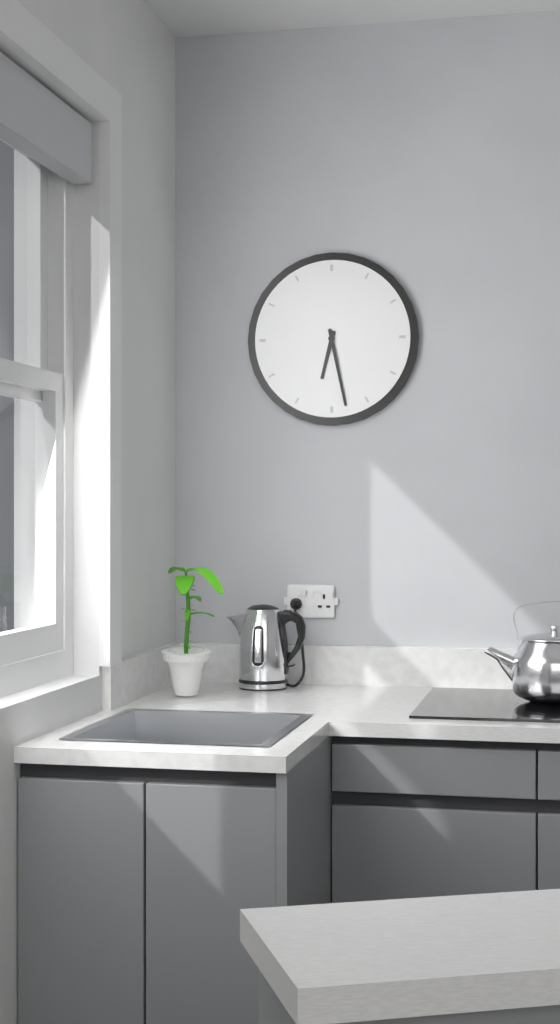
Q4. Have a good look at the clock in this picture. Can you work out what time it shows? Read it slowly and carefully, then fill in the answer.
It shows 6:28
